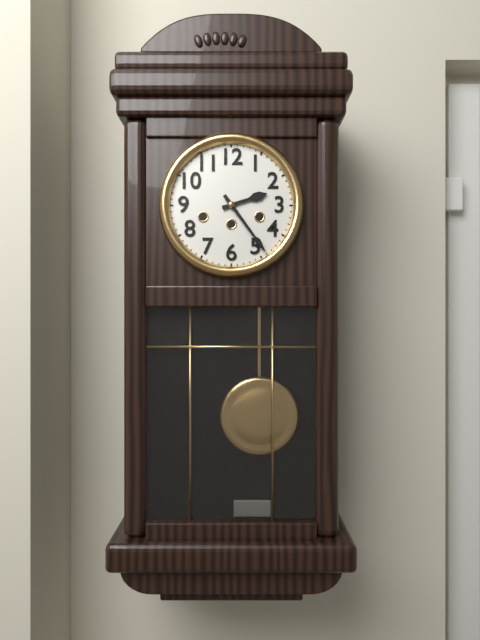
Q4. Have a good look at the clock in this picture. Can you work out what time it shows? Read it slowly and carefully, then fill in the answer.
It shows 2:24
